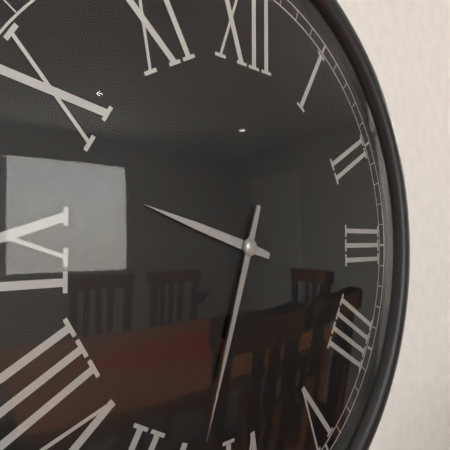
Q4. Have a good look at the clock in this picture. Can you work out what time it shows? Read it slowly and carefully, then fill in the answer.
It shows 9:33
